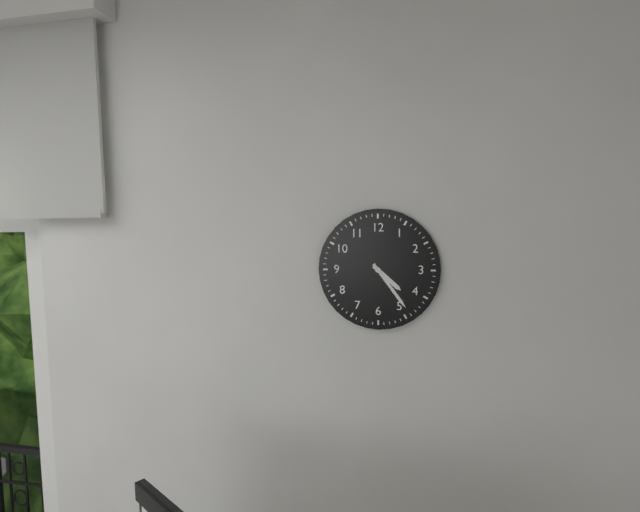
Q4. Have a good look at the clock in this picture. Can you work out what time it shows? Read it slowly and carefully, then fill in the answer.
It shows 4:24
